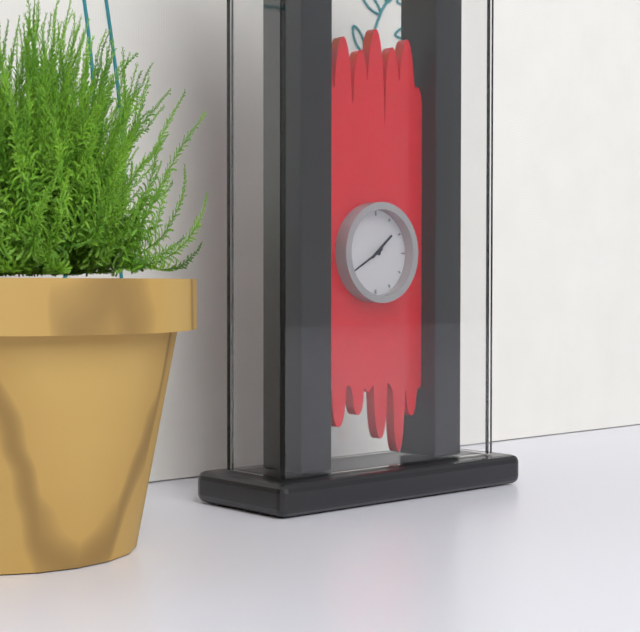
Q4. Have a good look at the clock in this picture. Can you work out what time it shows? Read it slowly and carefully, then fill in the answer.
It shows 1:40
